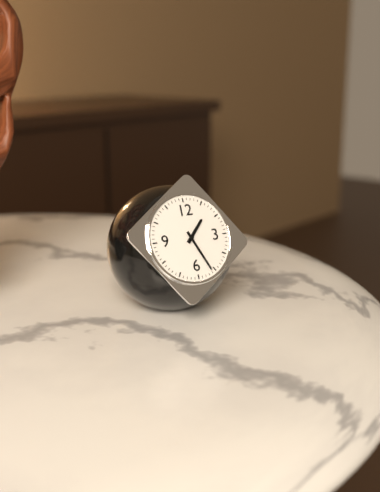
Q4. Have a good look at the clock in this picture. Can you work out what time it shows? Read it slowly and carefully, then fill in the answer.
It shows 1:26
